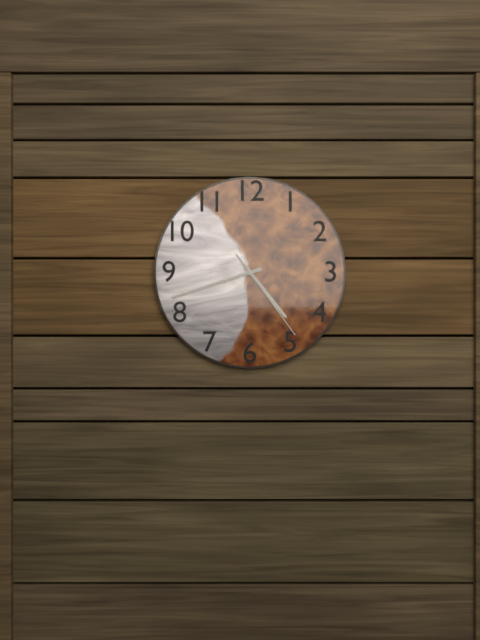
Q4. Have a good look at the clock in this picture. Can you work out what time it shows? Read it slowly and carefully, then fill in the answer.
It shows 4:42:24
